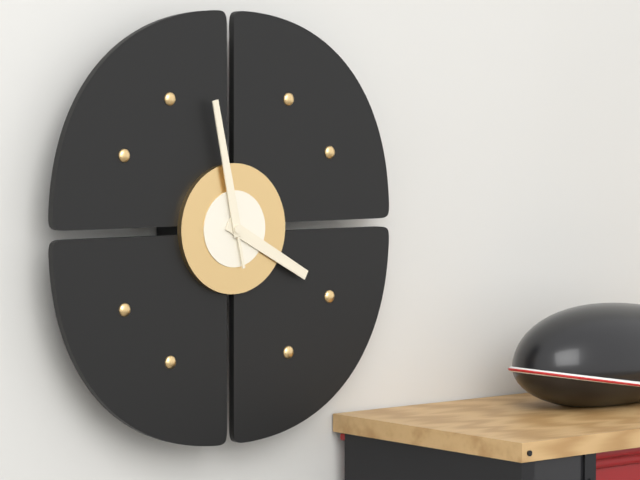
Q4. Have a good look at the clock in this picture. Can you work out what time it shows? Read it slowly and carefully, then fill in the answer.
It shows 3:58
